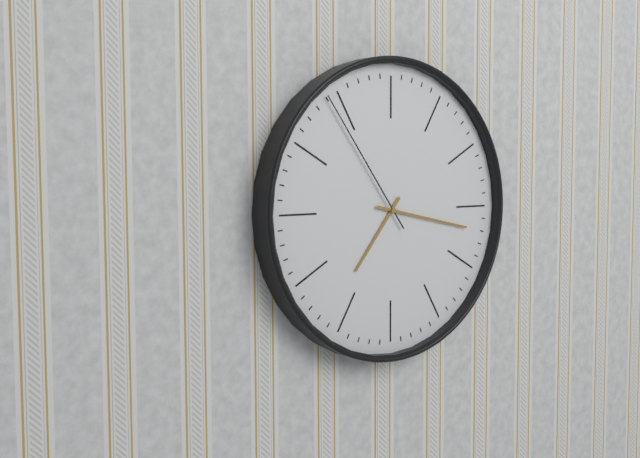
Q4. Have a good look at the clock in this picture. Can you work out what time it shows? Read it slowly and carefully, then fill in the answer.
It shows 7:17:54
